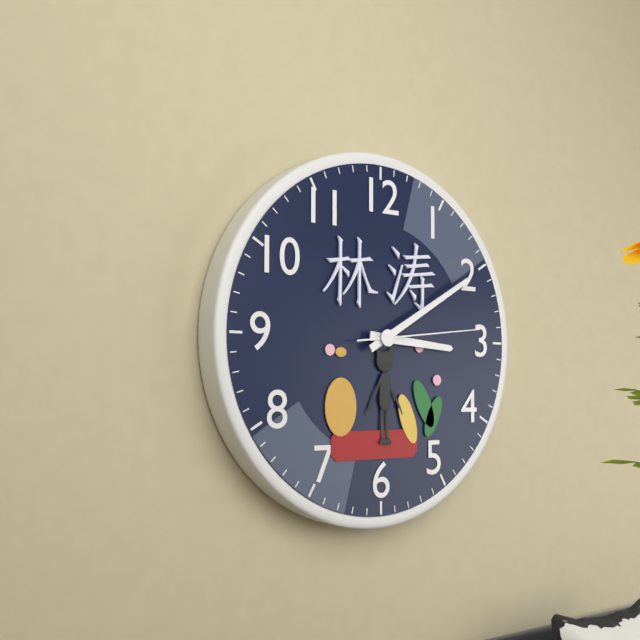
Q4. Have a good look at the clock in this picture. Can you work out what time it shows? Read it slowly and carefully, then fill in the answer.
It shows 3:10:14
